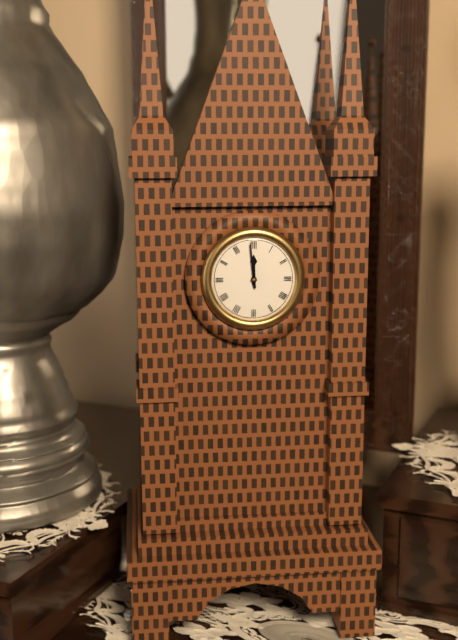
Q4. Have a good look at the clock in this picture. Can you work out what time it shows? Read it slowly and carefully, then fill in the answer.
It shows 11:59
